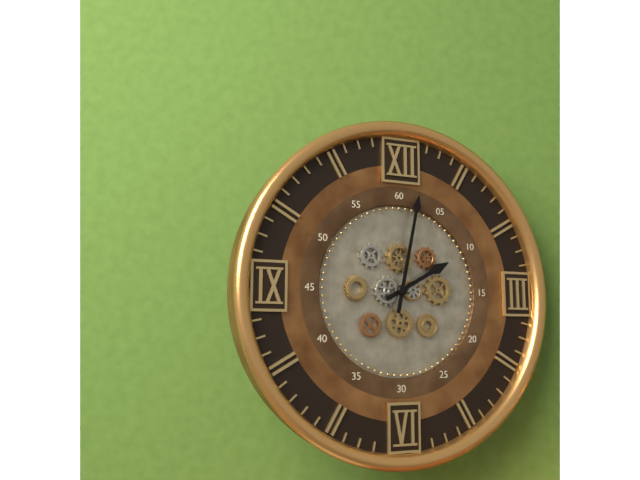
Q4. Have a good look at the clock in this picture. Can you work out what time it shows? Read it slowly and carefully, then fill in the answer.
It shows 2:02
